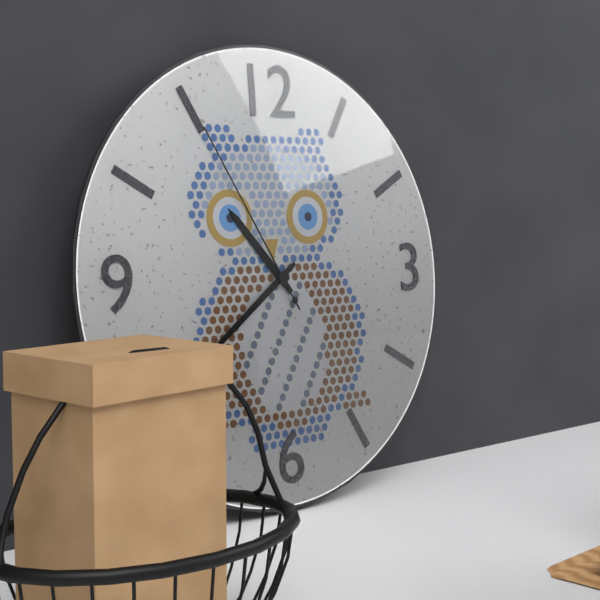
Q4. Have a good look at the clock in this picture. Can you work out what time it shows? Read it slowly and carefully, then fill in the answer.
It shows 10:39:55
